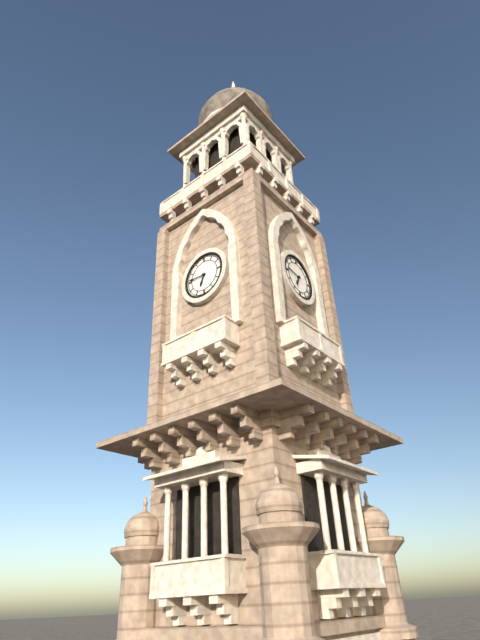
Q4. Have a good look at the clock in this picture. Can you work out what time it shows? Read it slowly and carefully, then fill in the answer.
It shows 6:46
